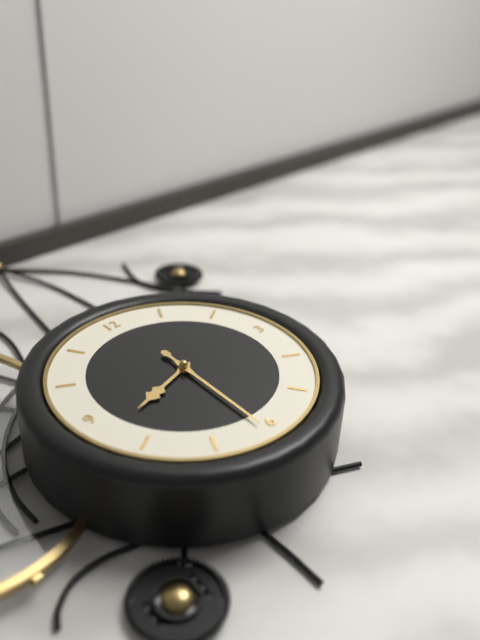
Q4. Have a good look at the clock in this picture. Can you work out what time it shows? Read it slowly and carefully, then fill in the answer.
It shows 8:31
